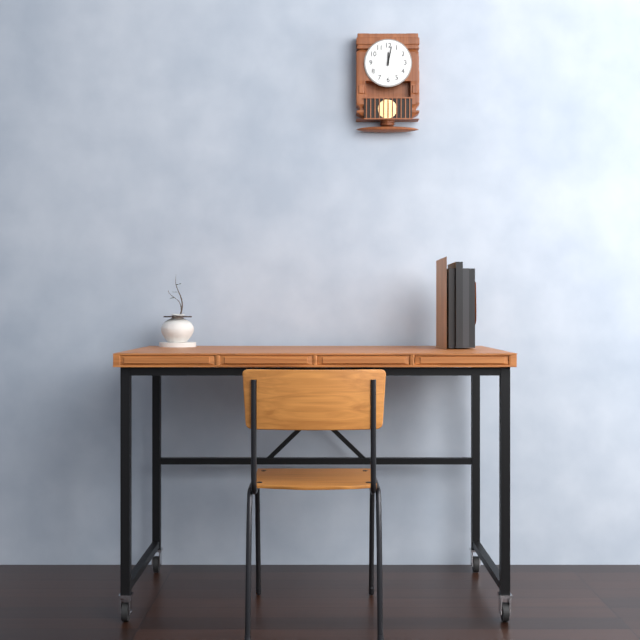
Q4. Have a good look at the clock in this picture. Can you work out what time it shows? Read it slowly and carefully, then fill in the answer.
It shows 12:02
